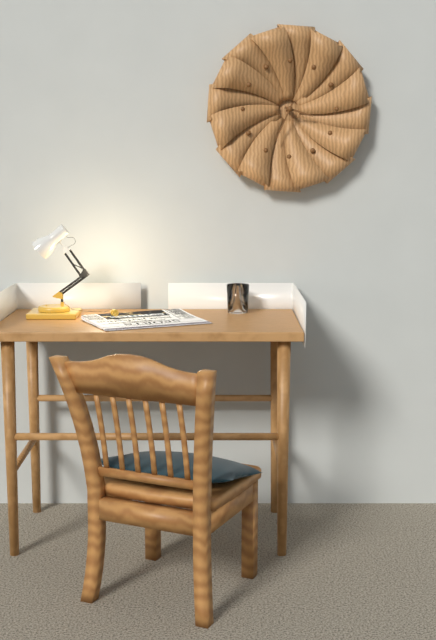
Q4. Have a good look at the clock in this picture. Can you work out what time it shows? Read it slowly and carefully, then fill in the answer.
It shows 3:34
